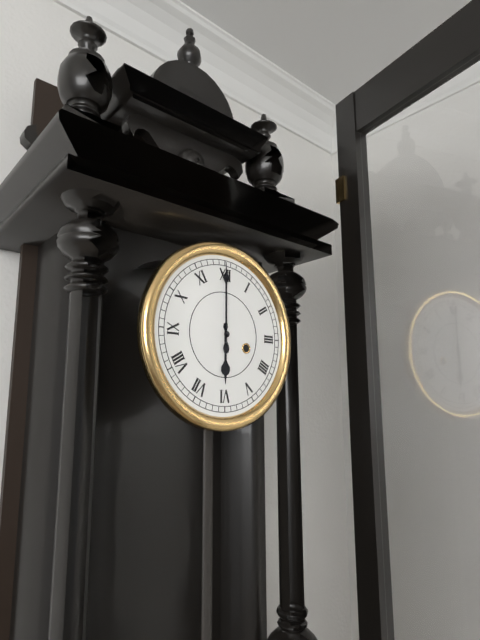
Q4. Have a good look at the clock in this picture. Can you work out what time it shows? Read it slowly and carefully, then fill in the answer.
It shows 6:00
